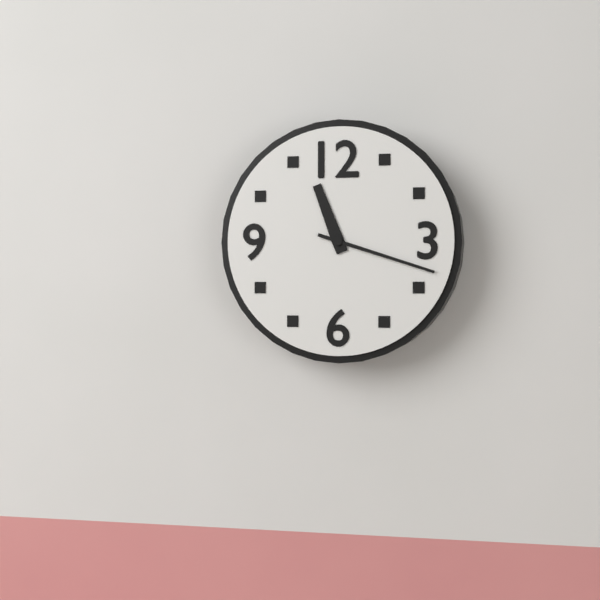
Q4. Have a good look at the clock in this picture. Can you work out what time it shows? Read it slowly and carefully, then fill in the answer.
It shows 11:18
